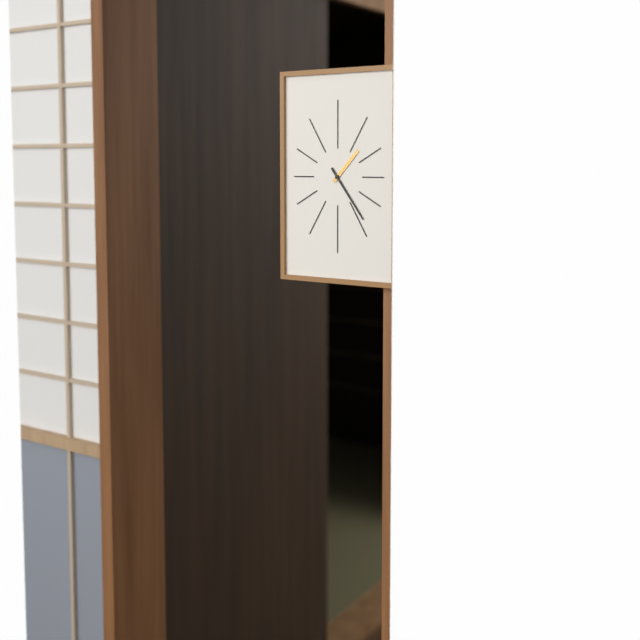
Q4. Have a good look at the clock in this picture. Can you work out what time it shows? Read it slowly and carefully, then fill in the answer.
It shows 1:24
